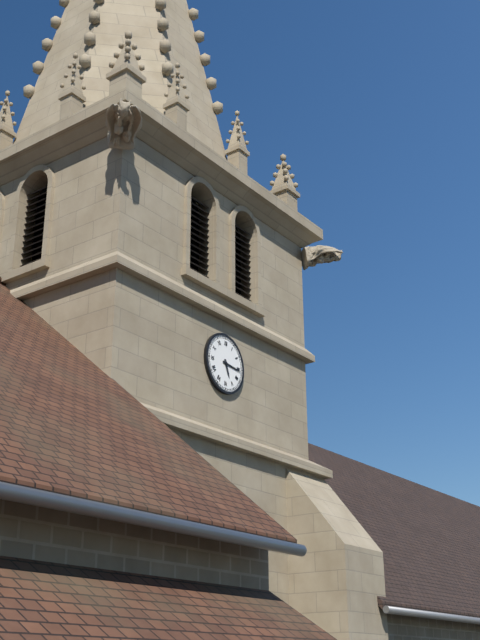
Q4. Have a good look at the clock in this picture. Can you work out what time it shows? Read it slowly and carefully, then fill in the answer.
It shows 5:16
